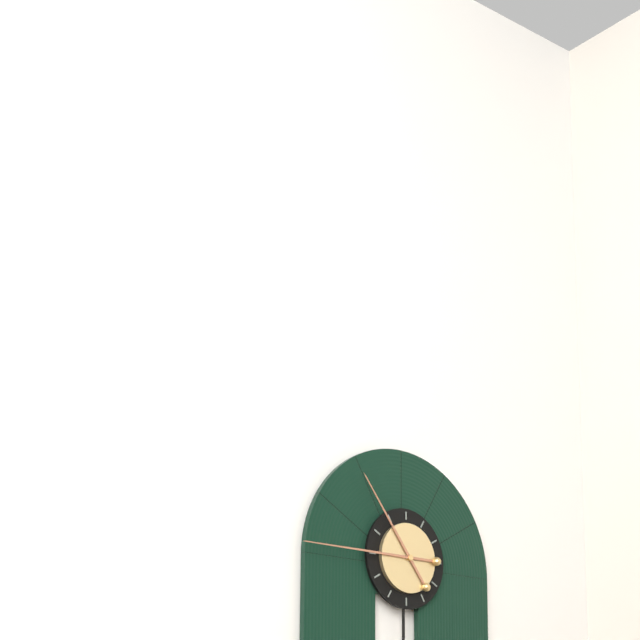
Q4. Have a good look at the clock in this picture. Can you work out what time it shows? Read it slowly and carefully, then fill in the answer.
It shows 10:45
